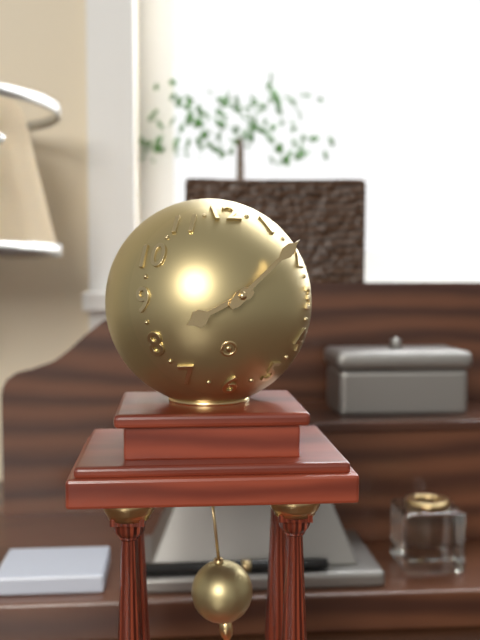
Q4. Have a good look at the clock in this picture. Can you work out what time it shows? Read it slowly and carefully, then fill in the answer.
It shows 8:08
